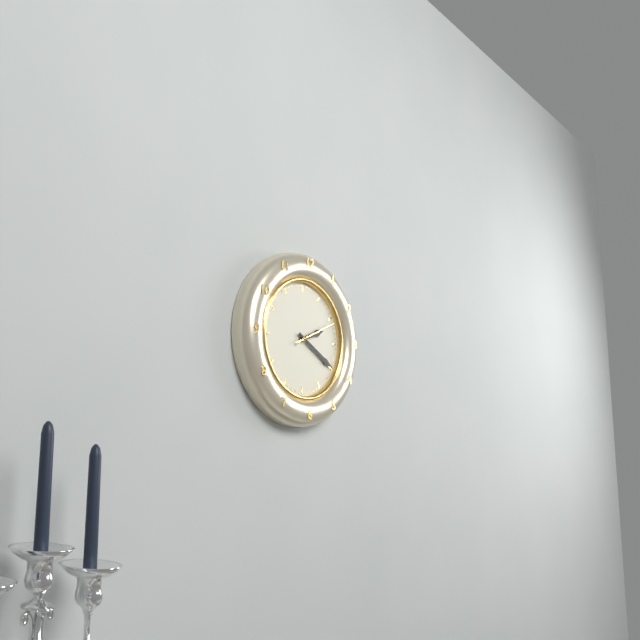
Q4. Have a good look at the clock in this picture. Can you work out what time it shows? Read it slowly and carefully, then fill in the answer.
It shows 2:20
